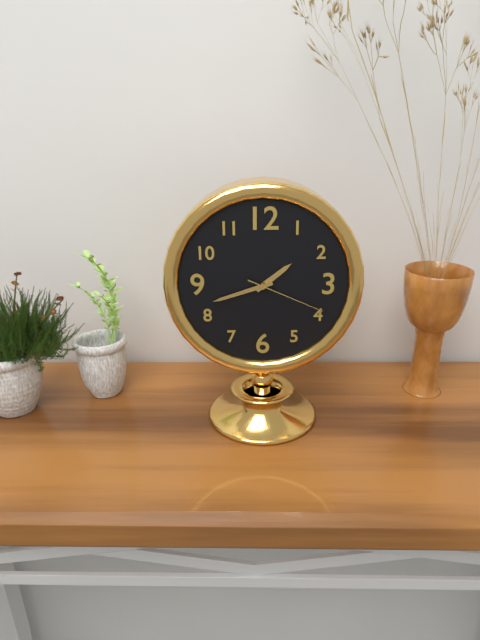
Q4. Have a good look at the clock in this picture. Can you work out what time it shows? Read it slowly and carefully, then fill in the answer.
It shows 1:42:19
